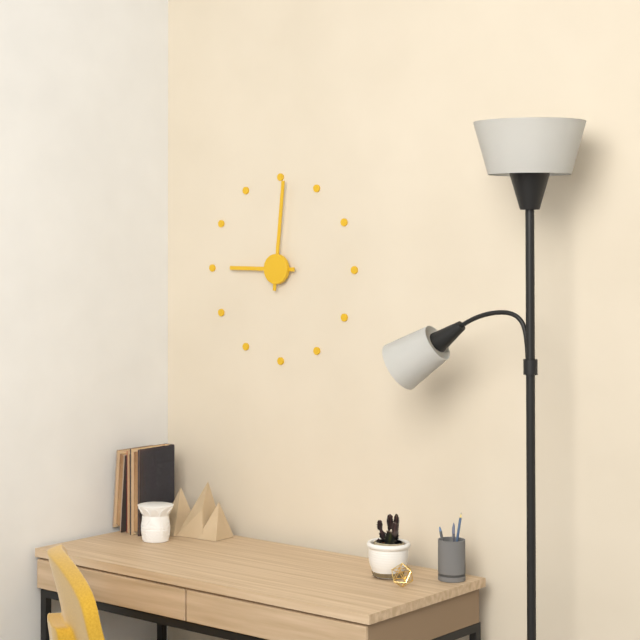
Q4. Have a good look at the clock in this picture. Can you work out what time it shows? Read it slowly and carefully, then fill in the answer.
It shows 9:01
